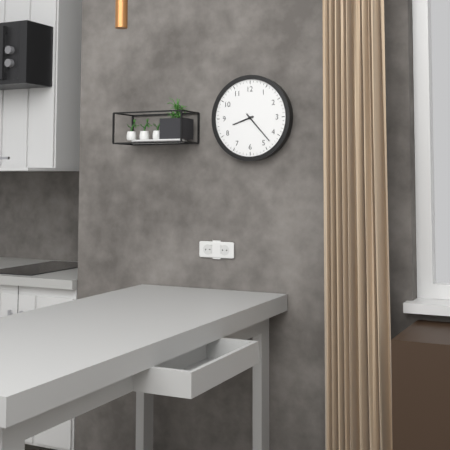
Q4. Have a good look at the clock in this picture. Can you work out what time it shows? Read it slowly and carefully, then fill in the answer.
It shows 8:23
